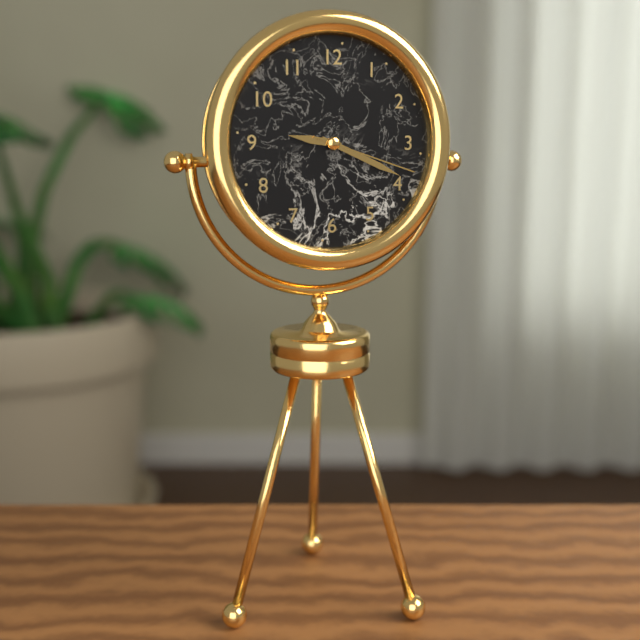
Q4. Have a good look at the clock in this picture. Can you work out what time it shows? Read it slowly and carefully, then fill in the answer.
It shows 9:19:18
